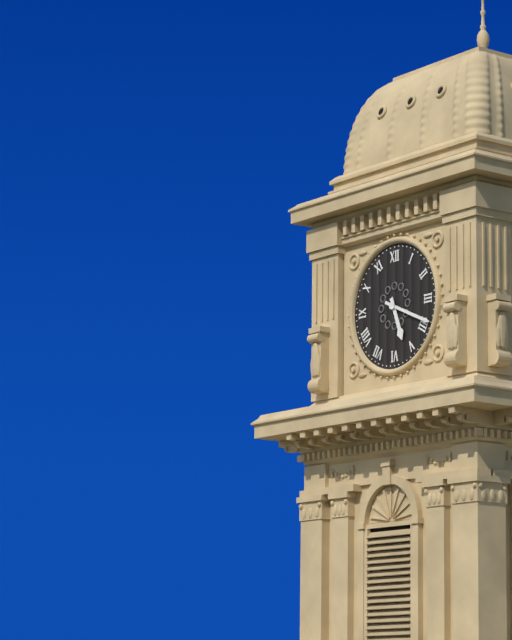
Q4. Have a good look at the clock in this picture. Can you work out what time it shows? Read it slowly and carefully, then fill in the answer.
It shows 5:19
